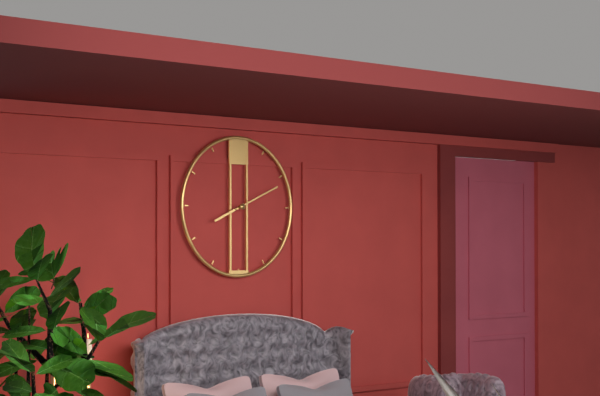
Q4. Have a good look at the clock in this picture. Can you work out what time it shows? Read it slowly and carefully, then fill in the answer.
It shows 8:11
